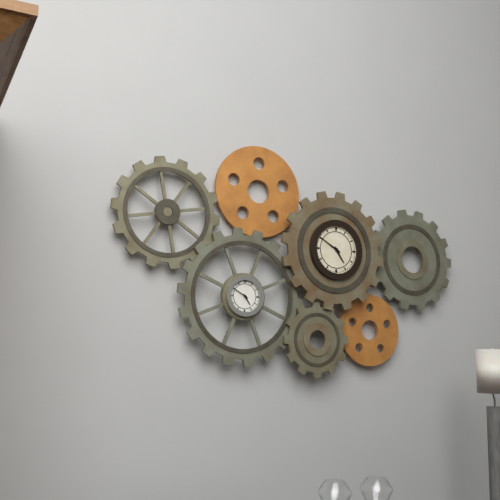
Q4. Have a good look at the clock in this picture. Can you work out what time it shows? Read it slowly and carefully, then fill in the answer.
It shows 4:50
